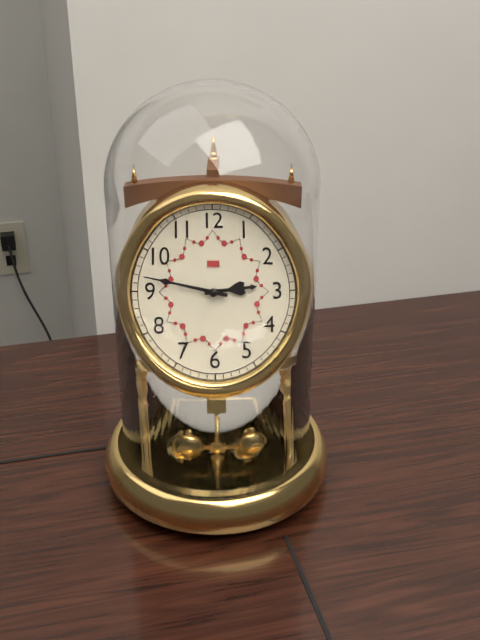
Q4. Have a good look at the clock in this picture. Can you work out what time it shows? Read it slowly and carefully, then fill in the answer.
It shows 2:47
